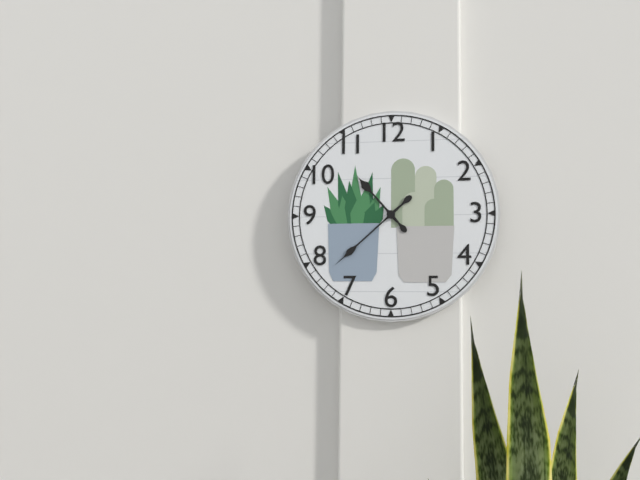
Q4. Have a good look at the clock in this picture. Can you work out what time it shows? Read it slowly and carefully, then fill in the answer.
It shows 10:38
